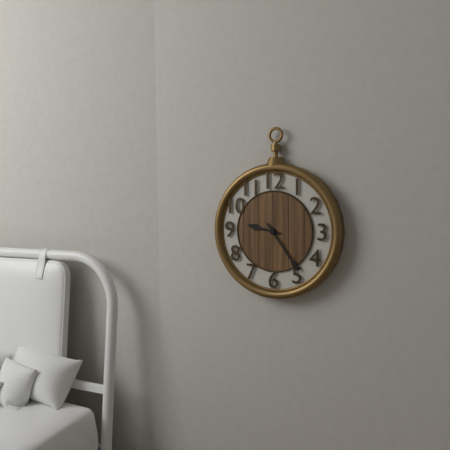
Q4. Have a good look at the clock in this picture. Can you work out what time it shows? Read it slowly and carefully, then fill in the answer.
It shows 9:24
